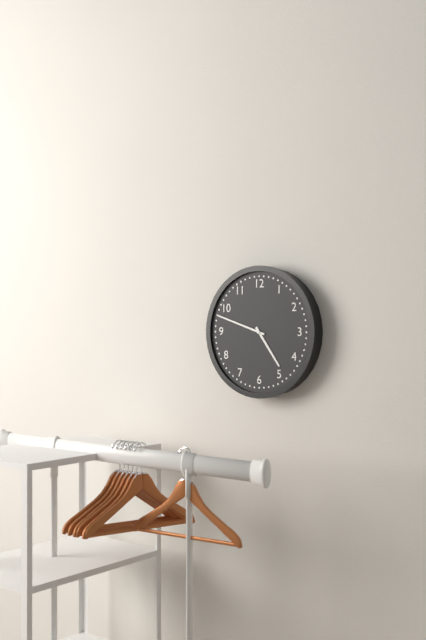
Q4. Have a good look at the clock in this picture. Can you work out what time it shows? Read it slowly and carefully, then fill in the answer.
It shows 4:48
